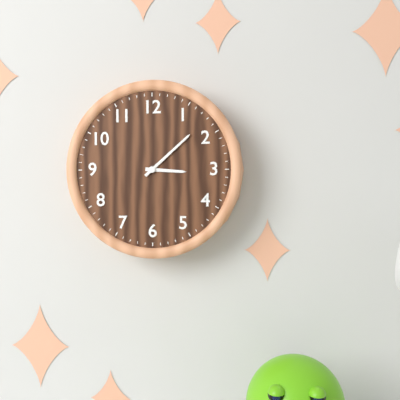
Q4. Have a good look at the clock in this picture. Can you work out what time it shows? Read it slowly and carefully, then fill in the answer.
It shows 3:08
